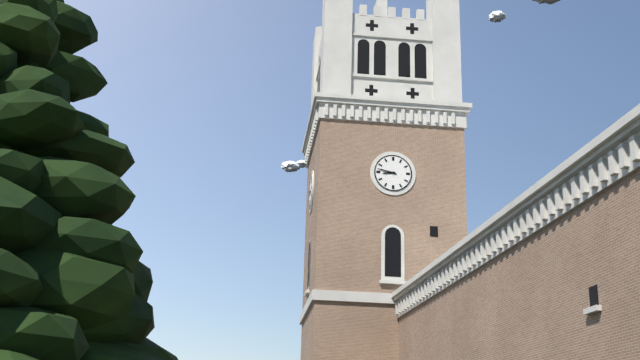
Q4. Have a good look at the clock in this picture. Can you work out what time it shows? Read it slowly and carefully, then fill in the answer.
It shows 8:47
